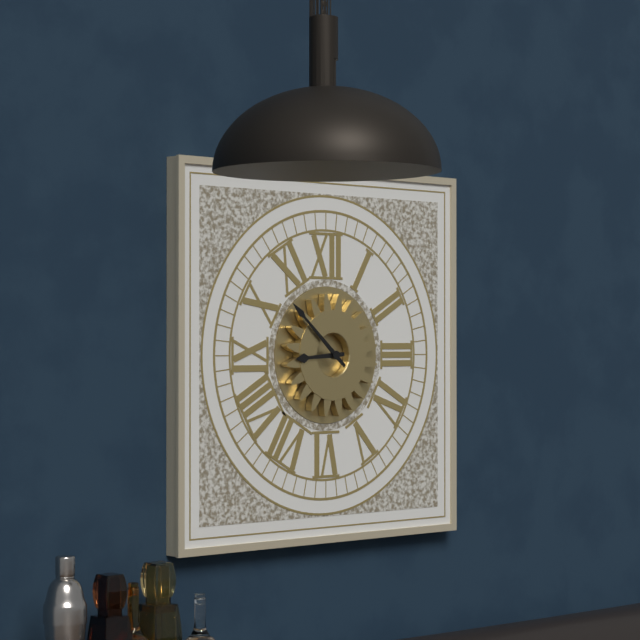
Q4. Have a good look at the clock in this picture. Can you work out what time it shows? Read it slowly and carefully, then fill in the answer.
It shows 8:52
